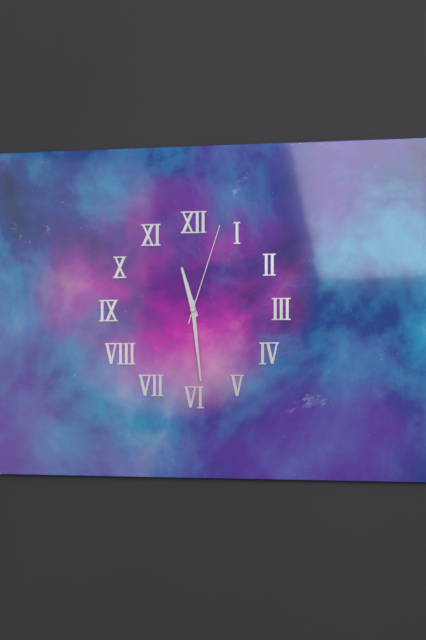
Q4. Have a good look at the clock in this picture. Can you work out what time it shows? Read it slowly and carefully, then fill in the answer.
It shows 11:29:03
